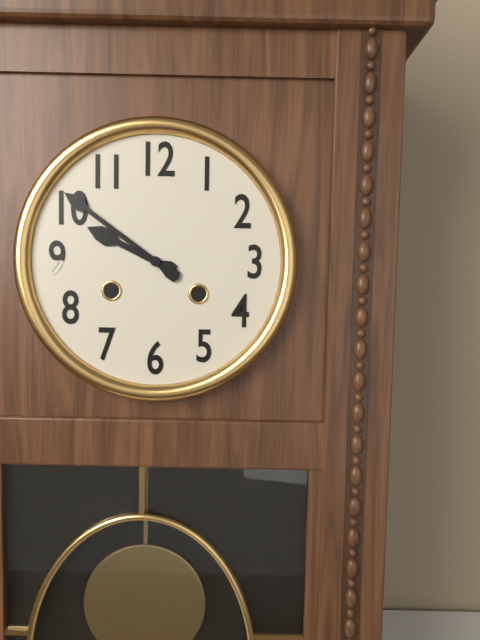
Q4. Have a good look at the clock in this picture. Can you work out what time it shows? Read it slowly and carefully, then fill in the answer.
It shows 9:51
